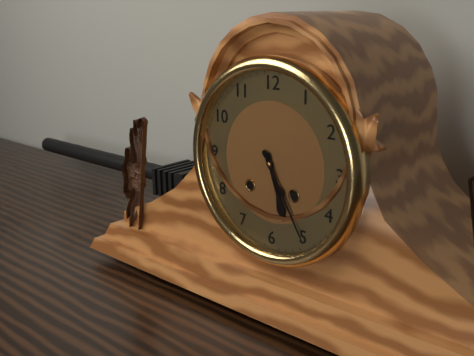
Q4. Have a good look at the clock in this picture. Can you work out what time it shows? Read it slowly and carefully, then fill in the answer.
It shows 5:25
